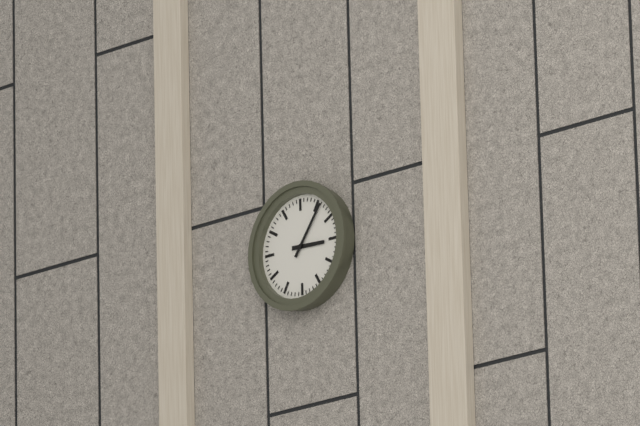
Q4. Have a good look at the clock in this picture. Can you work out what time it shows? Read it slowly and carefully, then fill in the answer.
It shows 3:06
